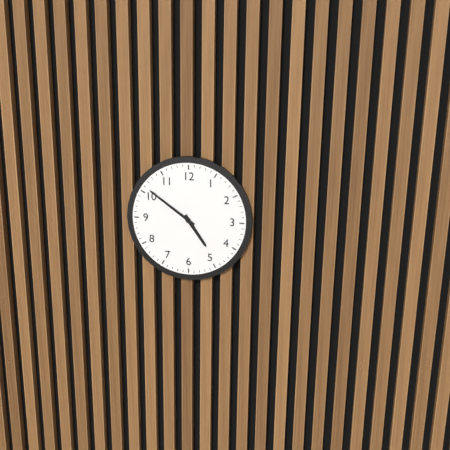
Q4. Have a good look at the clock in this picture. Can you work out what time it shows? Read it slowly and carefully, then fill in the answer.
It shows 4:51
